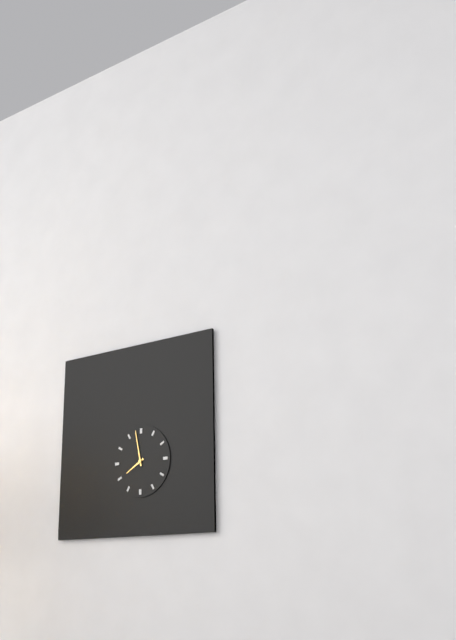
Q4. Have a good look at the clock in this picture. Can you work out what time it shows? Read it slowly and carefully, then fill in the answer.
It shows 7:58
